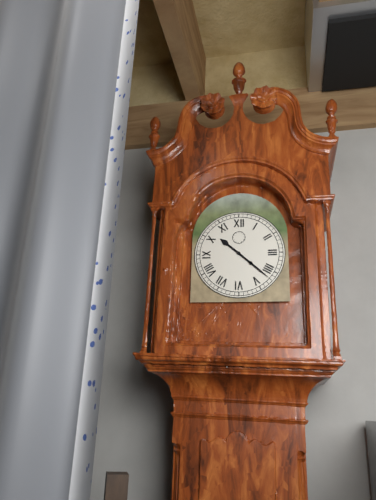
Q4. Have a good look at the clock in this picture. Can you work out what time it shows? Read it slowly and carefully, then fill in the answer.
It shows 10:22
